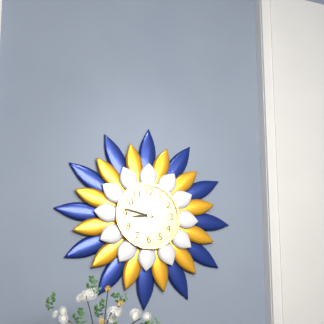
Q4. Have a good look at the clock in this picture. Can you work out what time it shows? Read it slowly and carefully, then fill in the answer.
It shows 8:47
